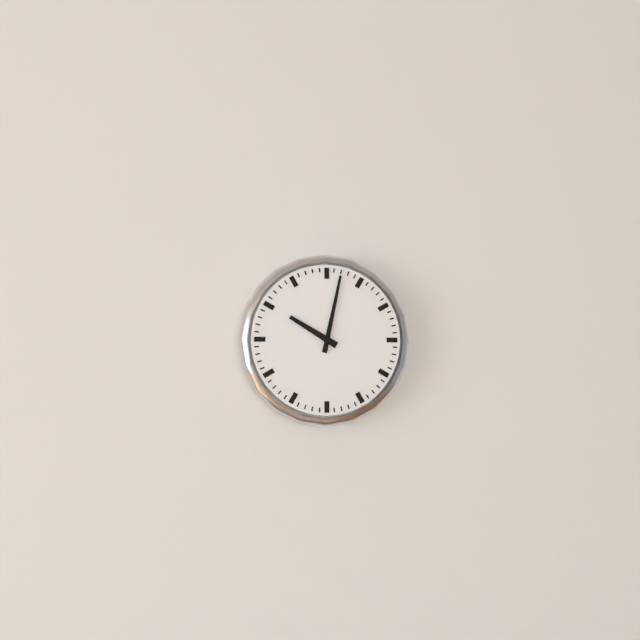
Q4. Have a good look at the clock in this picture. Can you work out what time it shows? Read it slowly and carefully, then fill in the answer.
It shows 10:02
